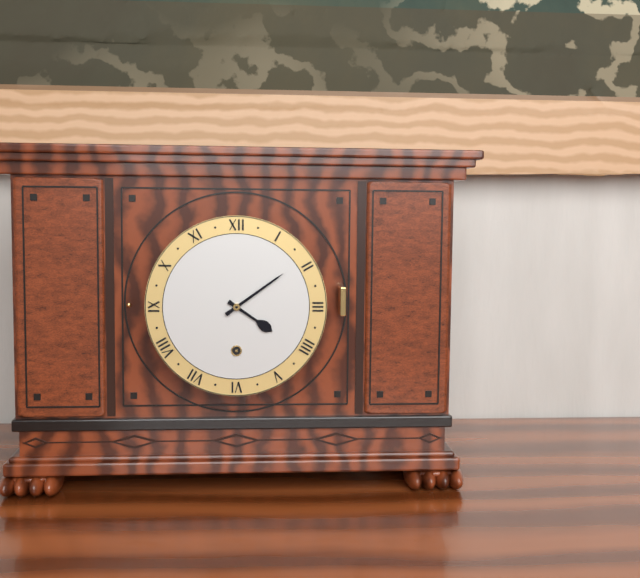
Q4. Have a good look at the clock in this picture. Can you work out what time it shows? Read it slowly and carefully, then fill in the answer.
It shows 4:09
